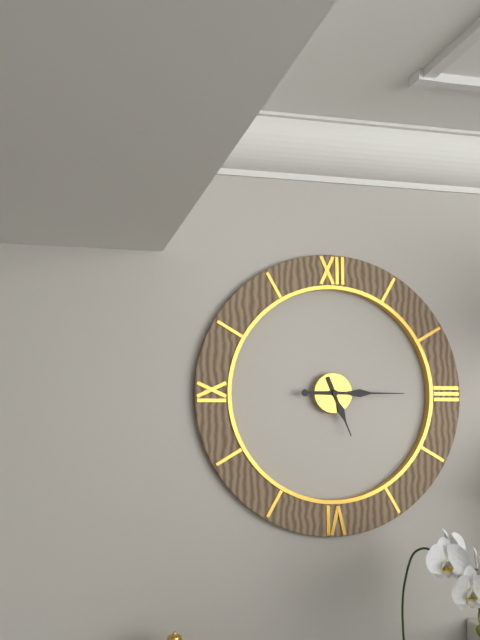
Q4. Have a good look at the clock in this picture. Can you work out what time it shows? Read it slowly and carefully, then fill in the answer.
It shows 5:15
